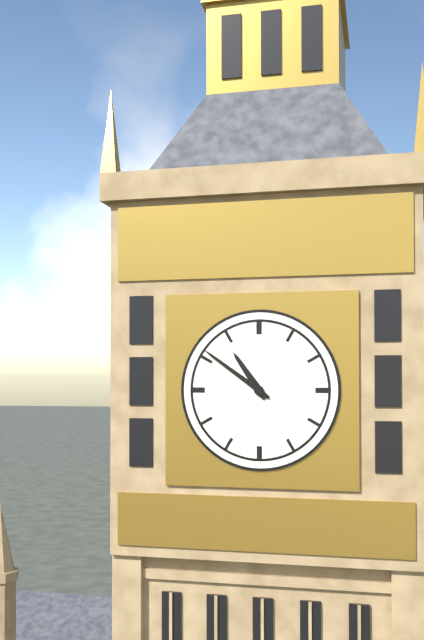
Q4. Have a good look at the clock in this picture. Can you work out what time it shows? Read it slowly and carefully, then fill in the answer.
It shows 10:51
